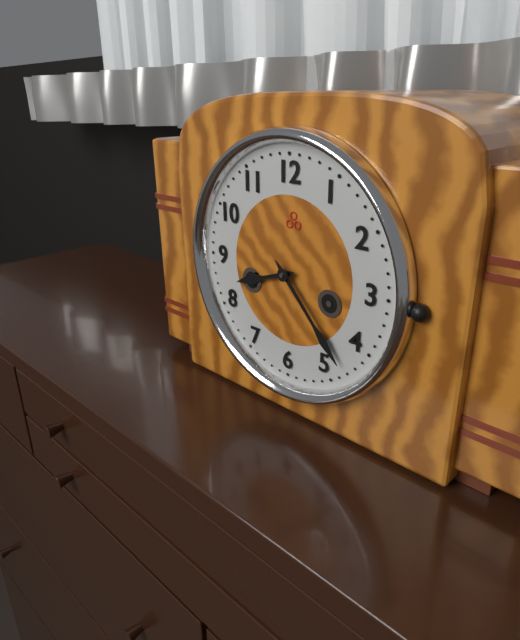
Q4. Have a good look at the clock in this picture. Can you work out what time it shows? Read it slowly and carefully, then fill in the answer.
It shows 8:23
